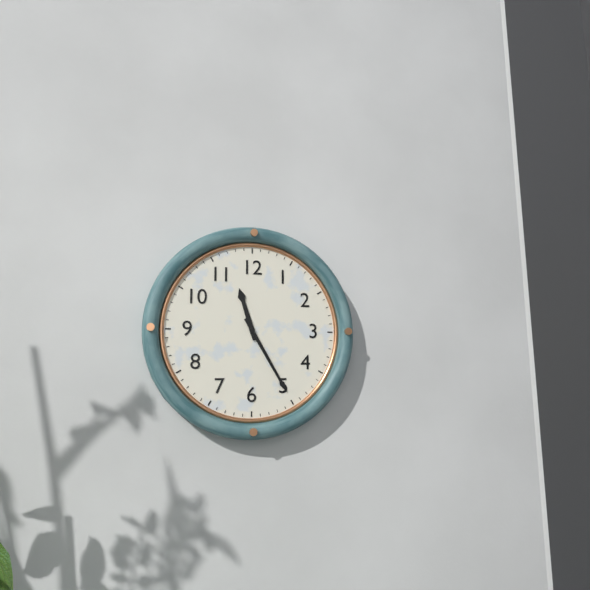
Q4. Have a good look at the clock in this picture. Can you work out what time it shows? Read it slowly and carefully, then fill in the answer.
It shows 11:25
